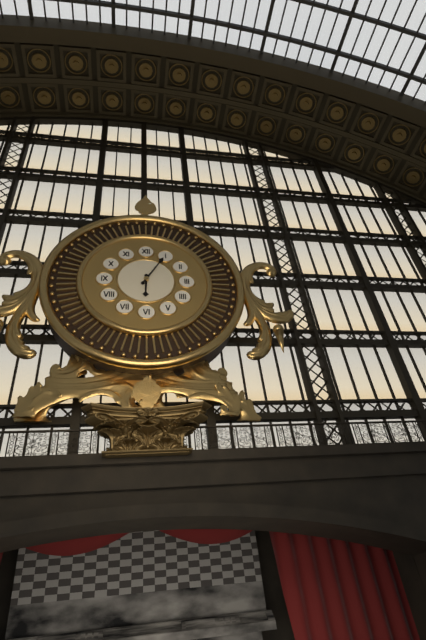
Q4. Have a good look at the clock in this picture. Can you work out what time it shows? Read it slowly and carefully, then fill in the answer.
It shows 6:05
